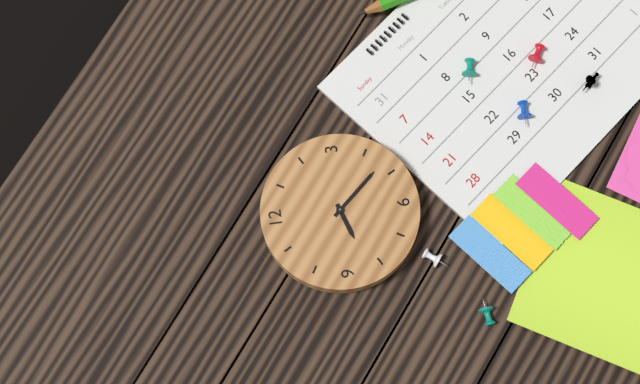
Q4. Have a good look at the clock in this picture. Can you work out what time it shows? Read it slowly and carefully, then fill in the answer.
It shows 8:23
